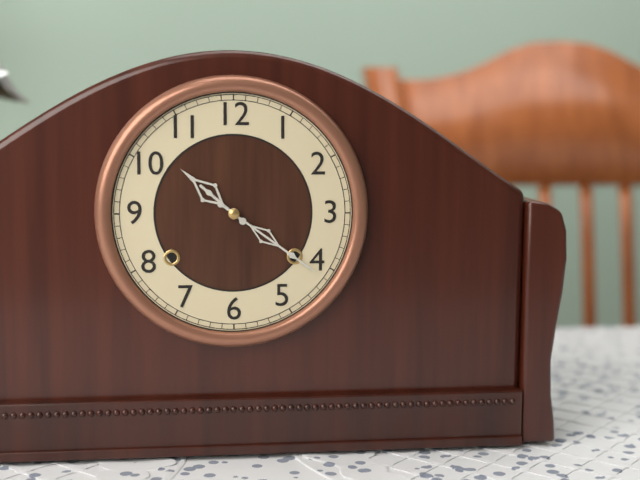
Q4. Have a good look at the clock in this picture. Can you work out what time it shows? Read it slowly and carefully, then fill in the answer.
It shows 10:21
